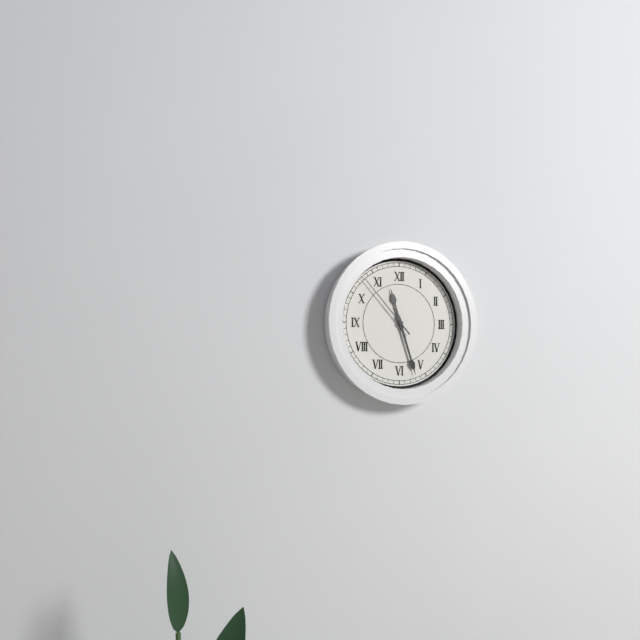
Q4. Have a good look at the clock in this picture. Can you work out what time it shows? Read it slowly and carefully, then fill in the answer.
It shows 11:27:53
